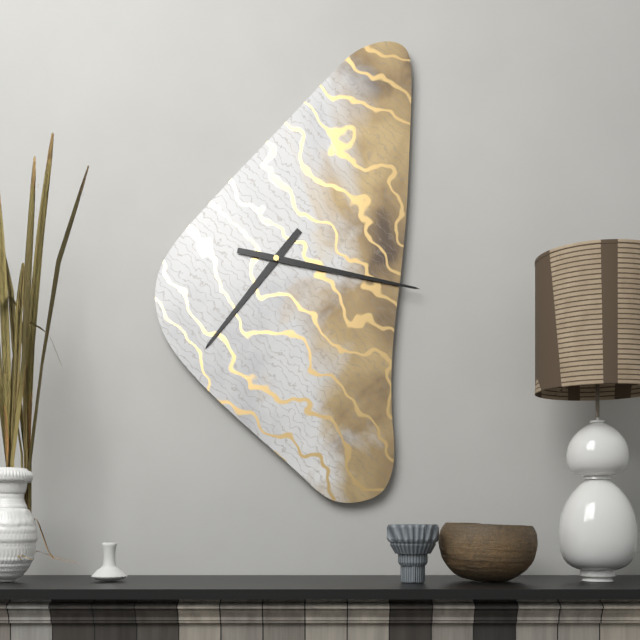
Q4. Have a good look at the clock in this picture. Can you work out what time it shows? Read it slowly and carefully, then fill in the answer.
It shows 7:17
